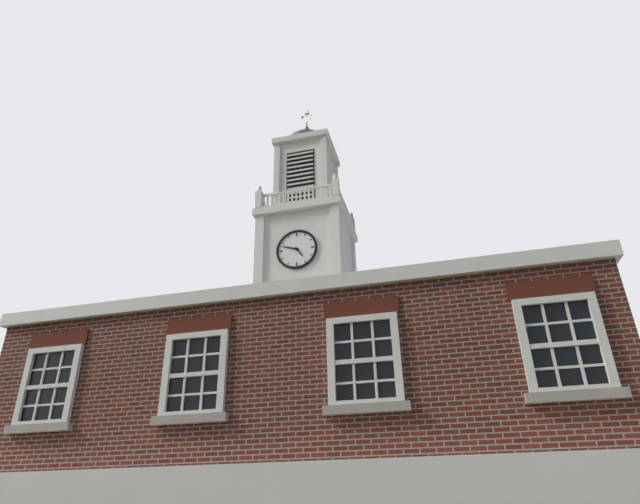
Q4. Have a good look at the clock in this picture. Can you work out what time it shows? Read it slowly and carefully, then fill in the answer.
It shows 4:48
